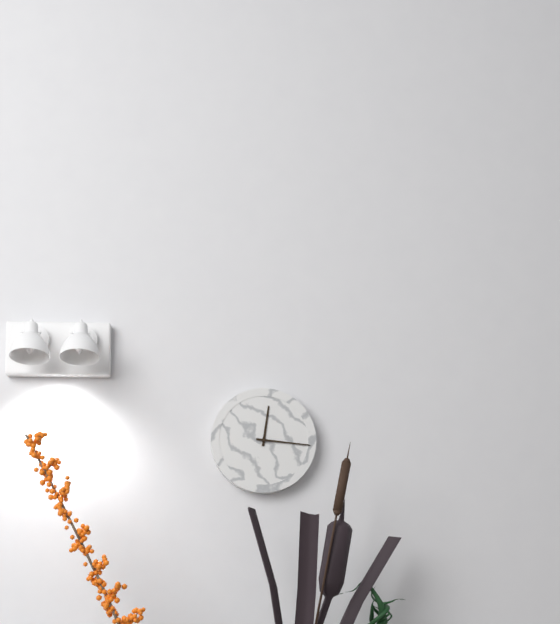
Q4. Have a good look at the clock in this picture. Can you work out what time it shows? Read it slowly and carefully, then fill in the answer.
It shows 12:16
